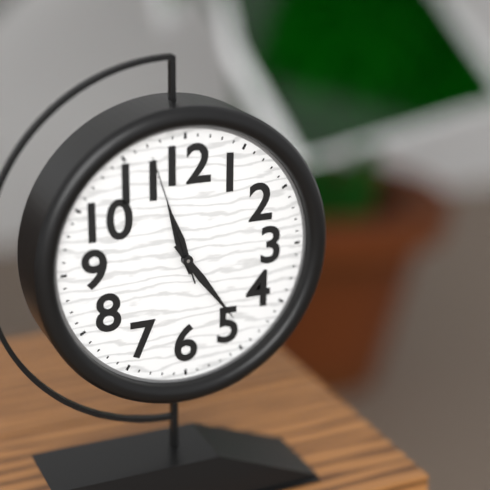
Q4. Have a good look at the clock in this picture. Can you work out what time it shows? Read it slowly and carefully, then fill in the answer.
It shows 11:24:57
